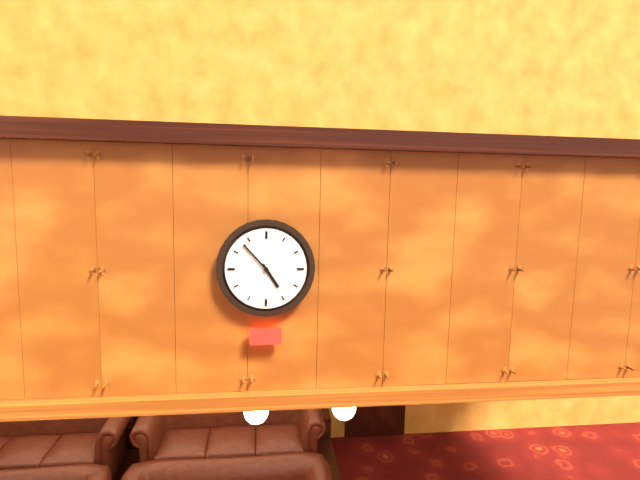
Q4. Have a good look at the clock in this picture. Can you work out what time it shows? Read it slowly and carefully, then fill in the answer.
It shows 4:53
